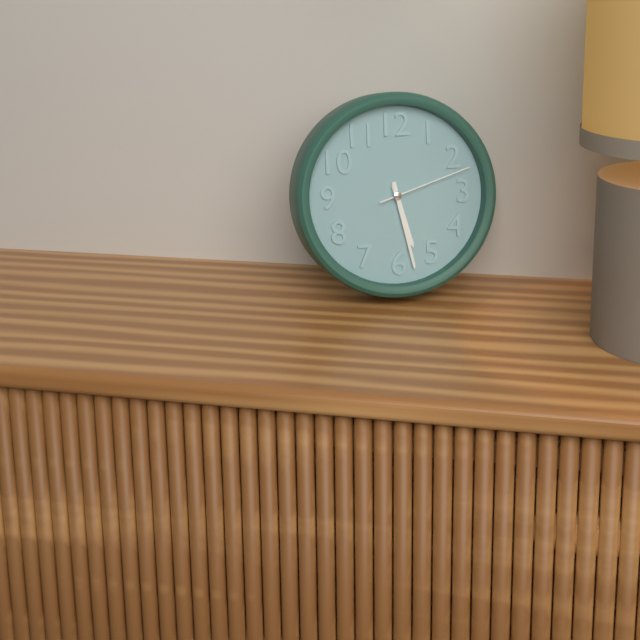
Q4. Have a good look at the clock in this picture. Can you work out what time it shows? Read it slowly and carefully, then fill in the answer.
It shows 5:28:12
